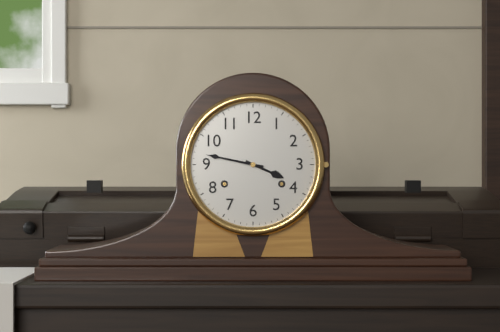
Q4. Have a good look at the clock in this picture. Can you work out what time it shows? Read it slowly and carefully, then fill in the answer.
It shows 3:47
